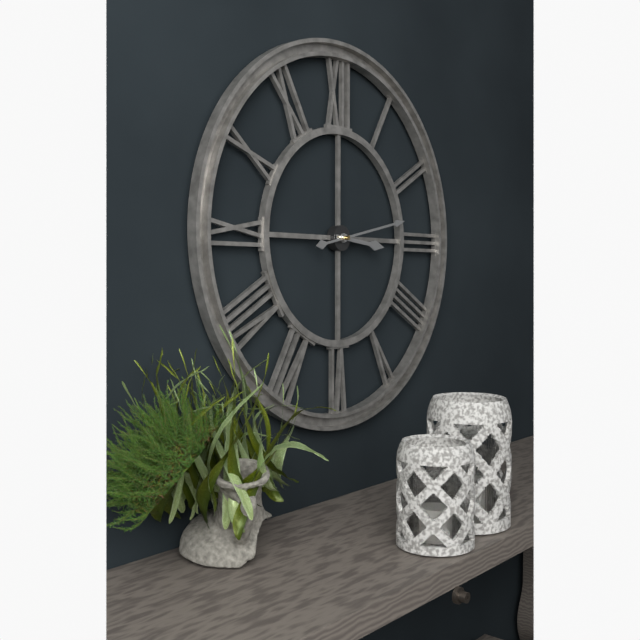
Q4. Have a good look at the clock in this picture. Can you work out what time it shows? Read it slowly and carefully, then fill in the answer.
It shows 3:13
